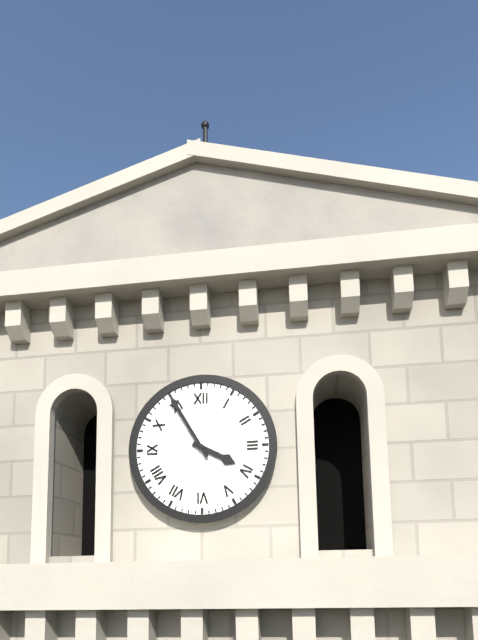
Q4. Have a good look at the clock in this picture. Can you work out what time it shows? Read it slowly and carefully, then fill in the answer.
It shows 3:55
